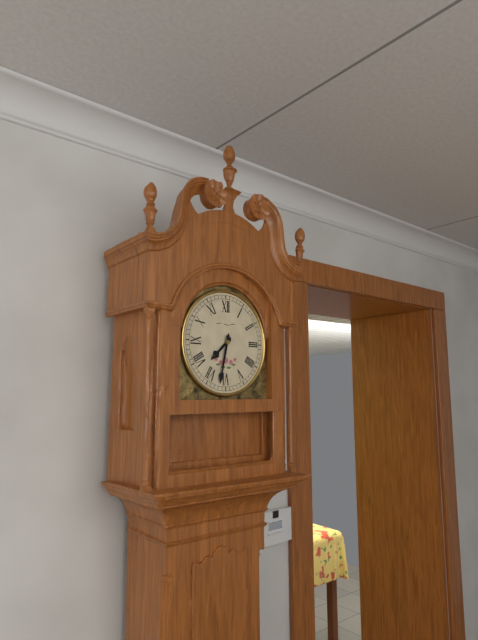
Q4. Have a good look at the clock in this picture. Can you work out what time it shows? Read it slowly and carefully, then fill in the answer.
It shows 7:32
